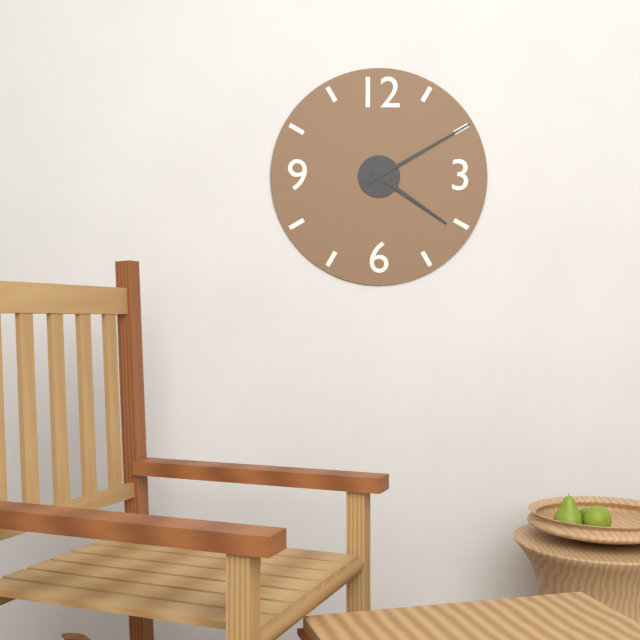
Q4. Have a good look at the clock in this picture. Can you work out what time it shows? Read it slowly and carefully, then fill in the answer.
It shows 4:10
